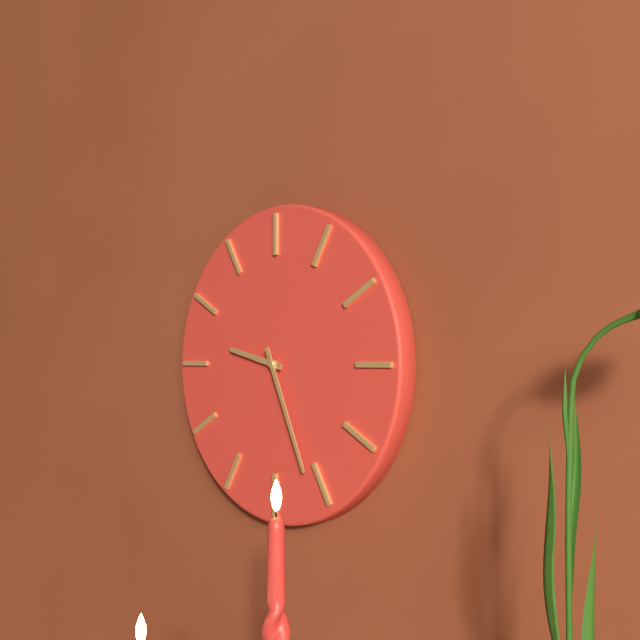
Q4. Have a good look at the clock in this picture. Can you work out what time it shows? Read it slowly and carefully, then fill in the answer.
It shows 9:26
